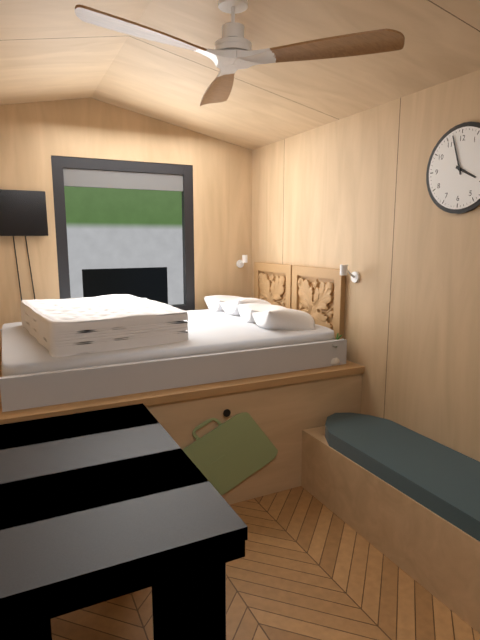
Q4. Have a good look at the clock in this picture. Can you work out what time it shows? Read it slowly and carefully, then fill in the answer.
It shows 3:57
